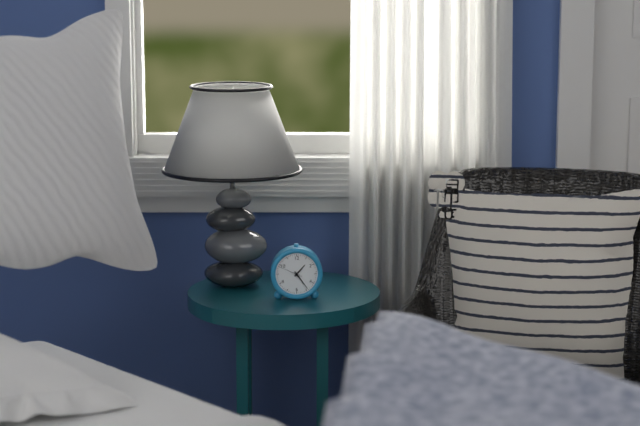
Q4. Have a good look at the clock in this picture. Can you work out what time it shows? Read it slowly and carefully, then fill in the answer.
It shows 1:24
